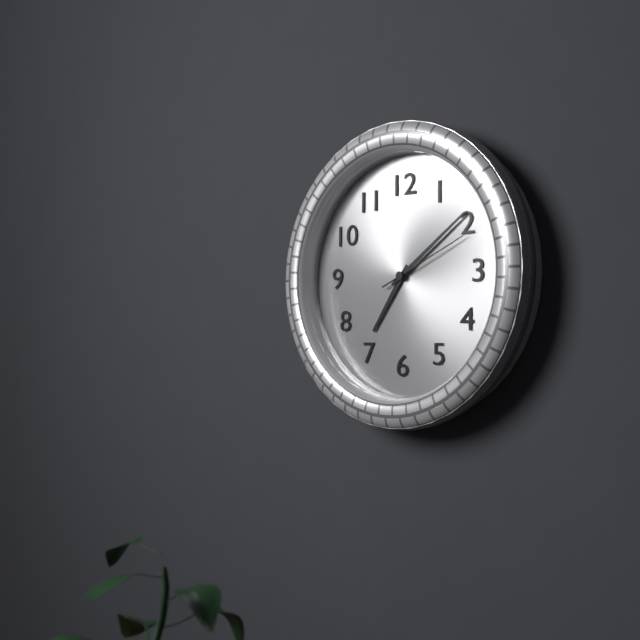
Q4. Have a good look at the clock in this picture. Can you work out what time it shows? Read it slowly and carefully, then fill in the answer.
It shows 7:09:11
